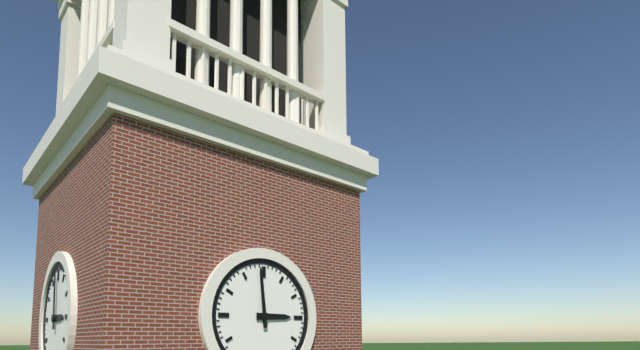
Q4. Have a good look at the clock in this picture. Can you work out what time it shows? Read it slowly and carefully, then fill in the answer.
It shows 2:59
